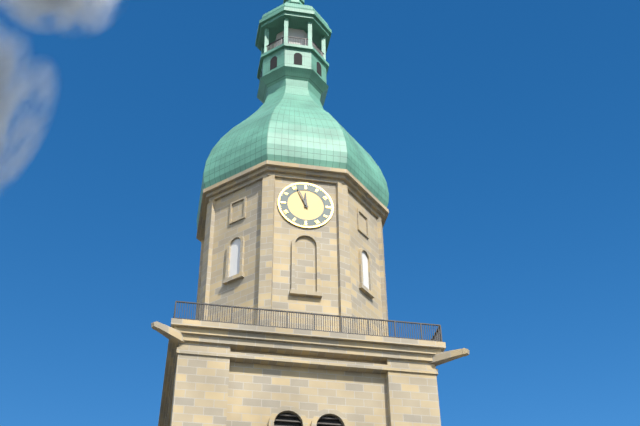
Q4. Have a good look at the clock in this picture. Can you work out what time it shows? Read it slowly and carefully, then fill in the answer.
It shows 11:56
